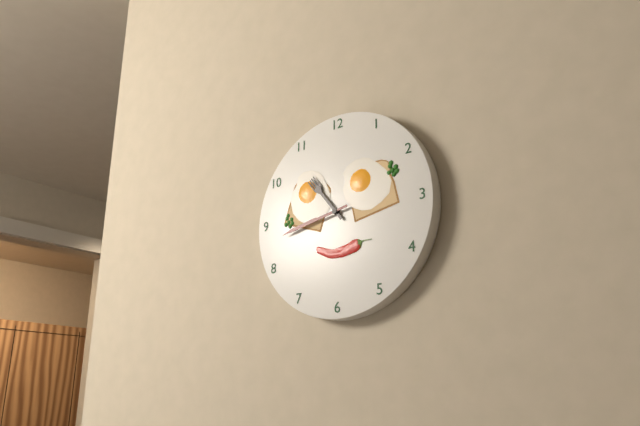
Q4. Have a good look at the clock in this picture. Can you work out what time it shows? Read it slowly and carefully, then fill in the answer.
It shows 10:43
